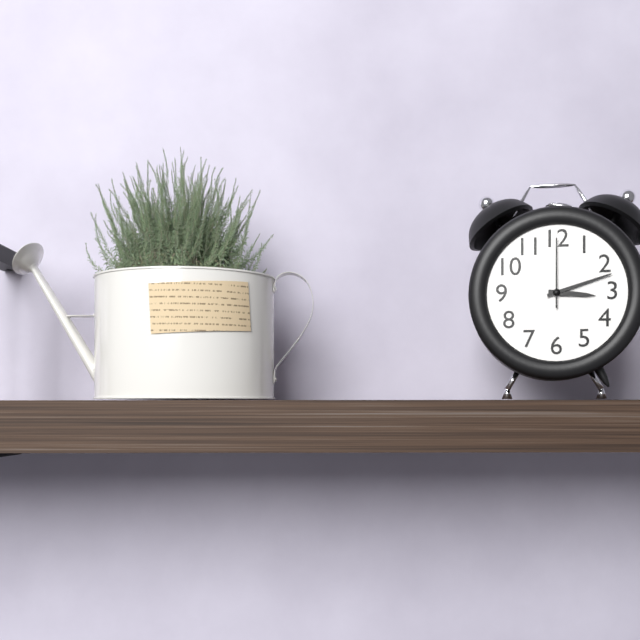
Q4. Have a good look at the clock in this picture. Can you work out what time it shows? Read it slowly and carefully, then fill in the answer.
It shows 3:12:00
